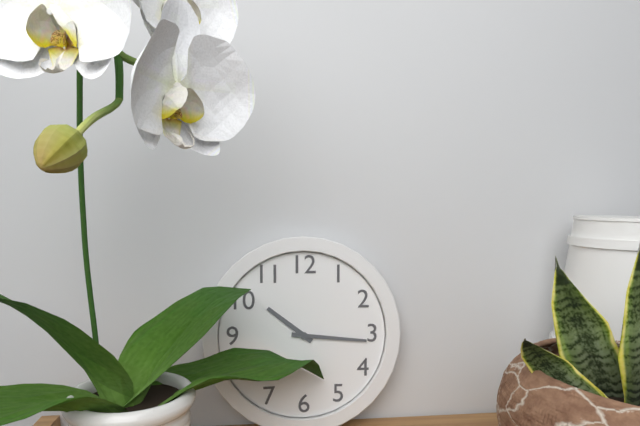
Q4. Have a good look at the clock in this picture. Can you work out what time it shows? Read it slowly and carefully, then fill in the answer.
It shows 10:16
